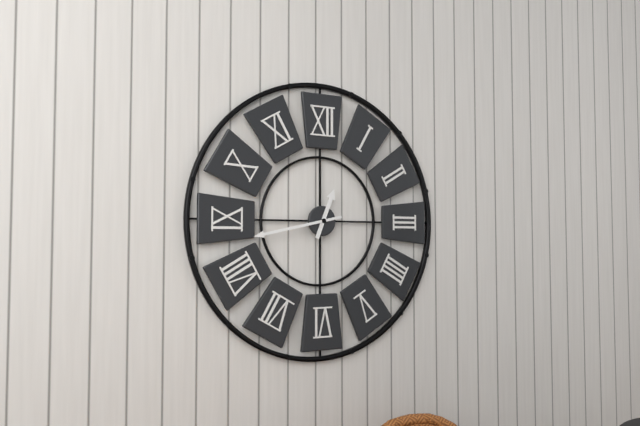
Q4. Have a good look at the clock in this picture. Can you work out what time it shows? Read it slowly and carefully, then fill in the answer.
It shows 12:43
